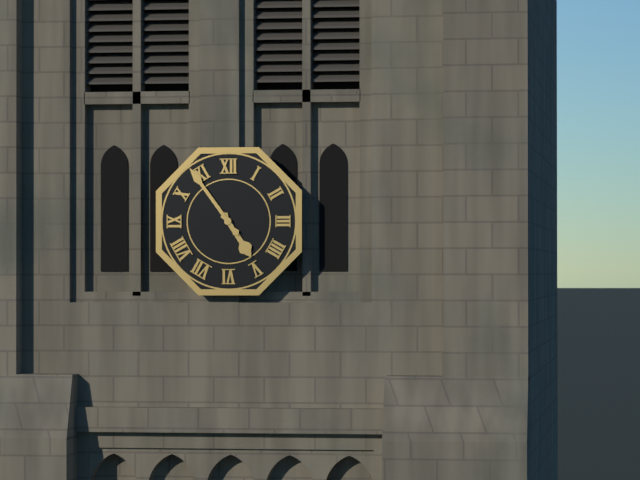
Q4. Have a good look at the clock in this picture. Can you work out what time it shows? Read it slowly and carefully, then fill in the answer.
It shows 4:54
